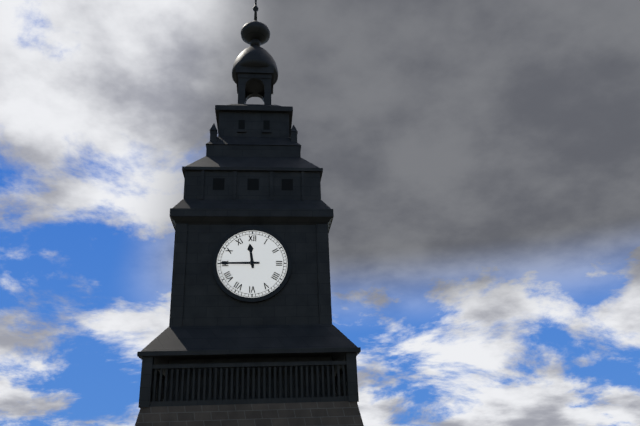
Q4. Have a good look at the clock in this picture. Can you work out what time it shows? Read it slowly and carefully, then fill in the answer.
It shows 11:45
